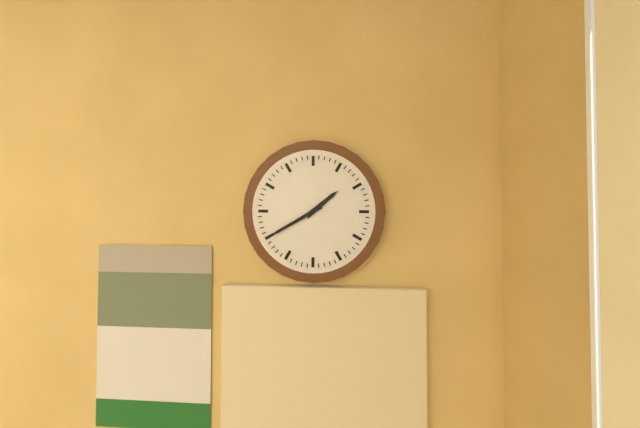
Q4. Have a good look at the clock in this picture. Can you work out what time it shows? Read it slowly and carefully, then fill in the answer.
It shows 1:40
